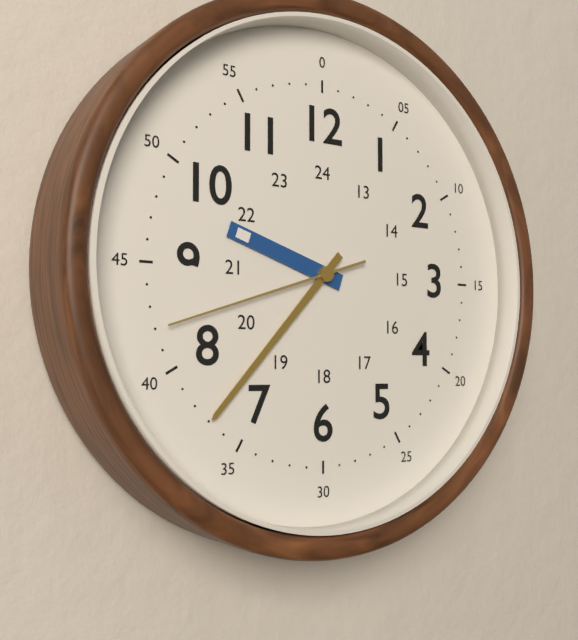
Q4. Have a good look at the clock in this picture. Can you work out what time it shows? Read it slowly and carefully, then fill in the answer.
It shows 9:37:42
